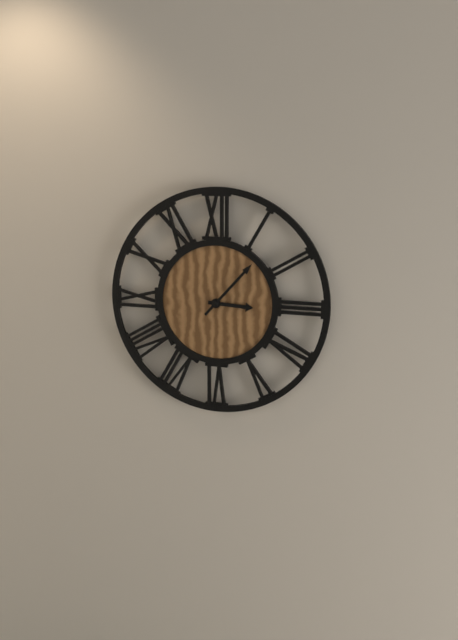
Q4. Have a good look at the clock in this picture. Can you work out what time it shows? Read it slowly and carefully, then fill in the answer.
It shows 3:07
